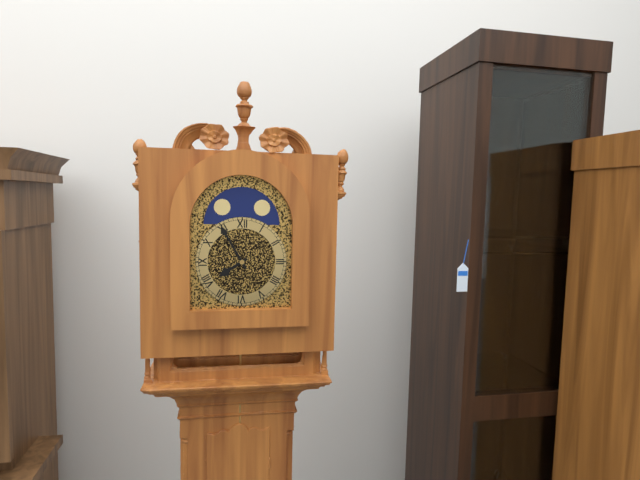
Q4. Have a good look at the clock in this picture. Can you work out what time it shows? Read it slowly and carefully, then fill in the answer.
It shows 7:55
